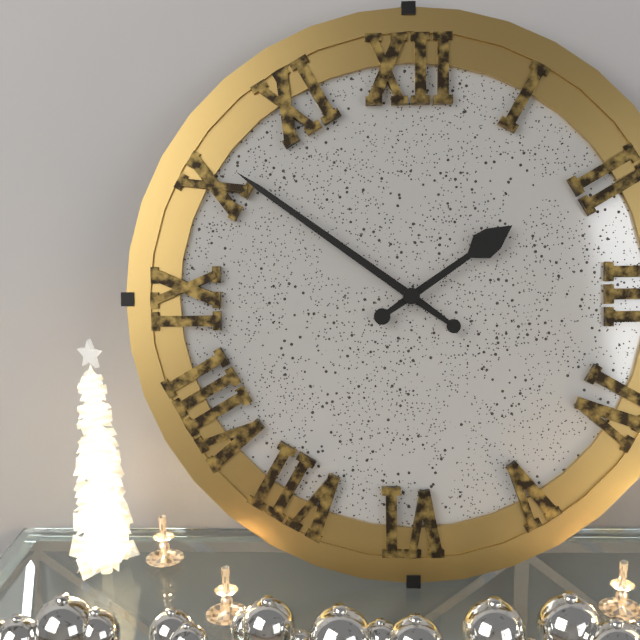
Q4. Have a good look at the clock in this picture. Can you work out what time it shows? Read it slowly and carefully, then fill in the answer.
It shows 1:51
